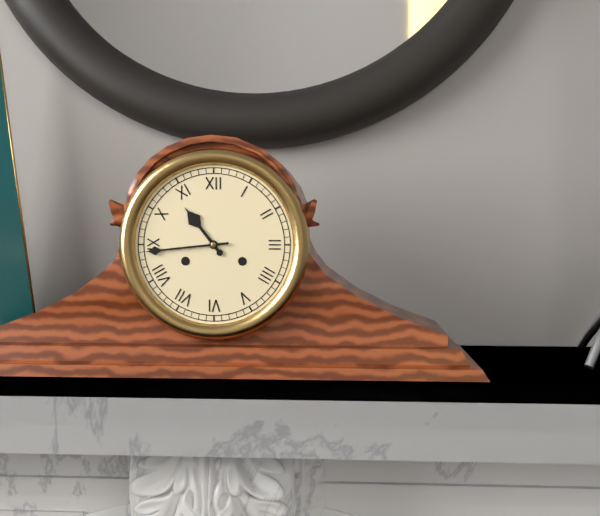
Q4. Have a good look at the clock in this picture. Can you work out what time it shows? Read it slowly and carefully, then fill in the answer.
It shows 10:44
